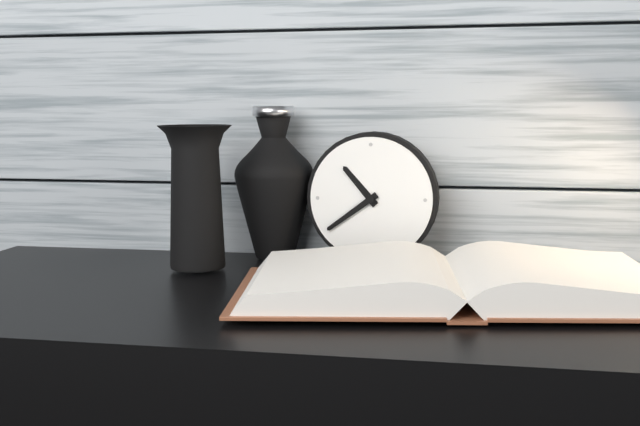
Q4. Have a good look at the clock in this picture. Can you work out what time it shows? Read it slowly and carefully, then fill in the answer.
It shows 10:39
